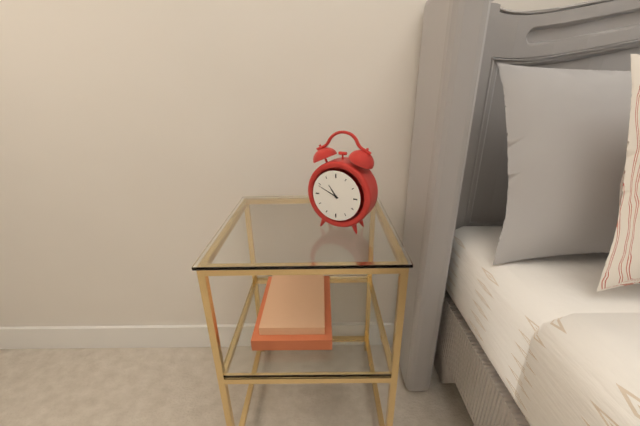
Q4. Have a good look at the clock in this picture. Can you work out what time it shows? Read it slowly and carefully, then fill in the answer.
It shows 10:49
